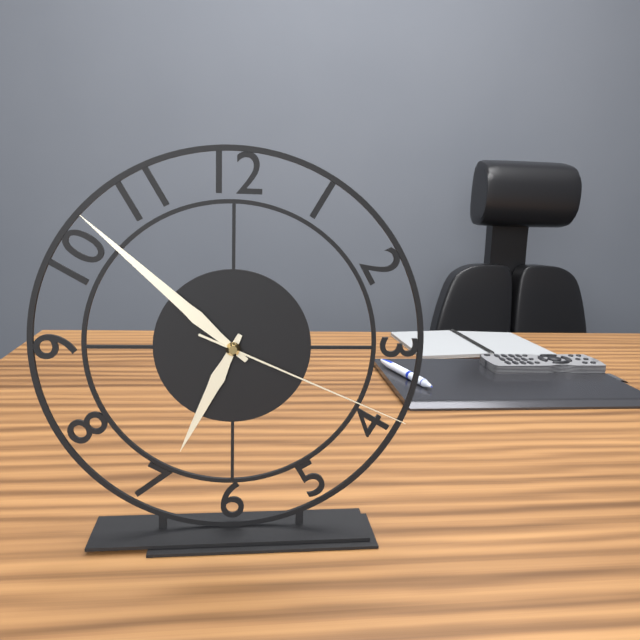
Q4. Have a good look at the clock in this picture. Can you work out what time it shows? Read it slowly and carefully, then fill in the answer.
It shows 6:52:19
